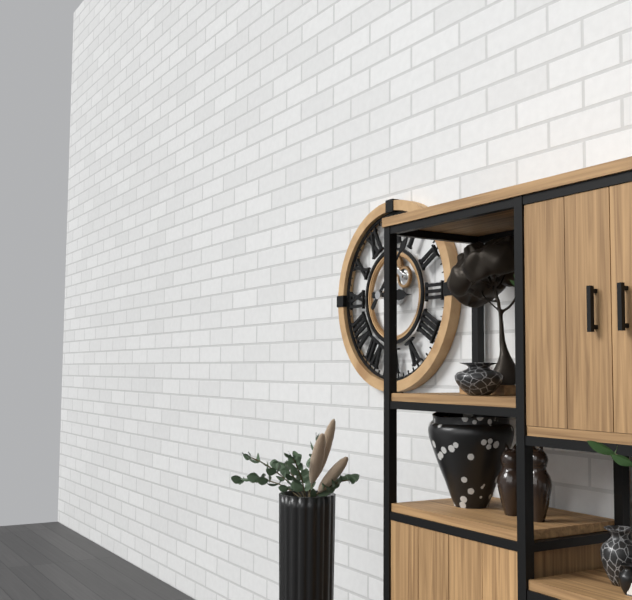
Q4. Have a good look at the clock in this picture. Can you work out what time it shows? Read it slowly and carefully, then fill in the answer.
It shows 3:07
